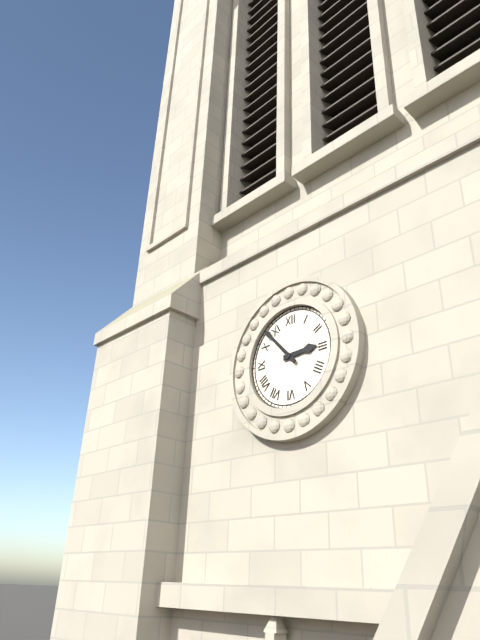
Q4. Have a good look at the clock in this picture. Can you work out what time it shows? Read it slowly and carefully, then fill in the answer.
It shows 2:53
